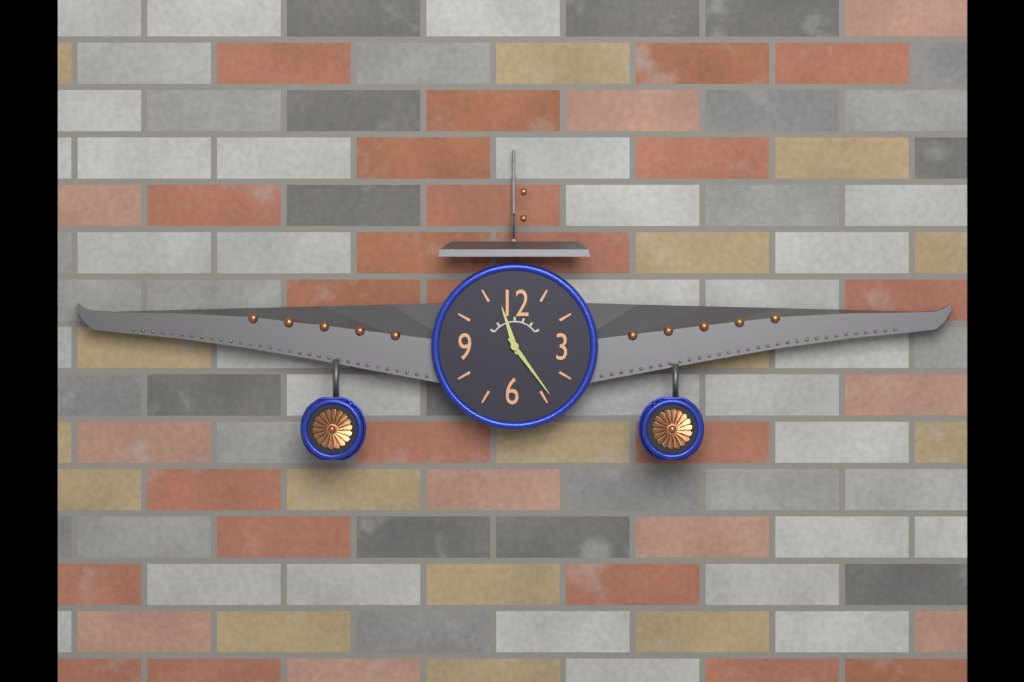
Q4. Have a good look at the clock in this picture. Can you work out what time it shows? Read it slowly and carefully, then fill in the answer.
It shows 11:24
